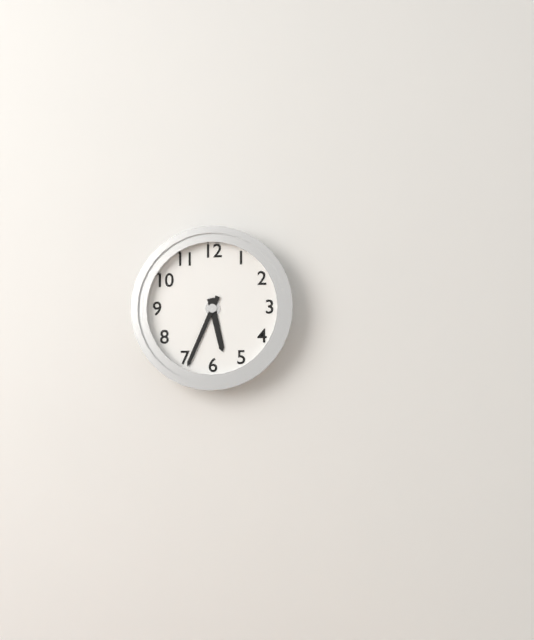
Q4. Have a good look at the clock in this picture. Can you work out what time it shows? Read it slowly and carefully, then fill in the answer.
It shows 5:34
